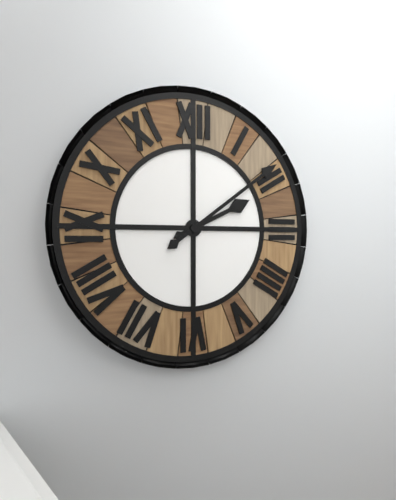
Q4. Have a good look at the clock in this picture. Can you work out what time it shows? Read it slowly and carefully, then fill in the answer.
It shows 2:09
